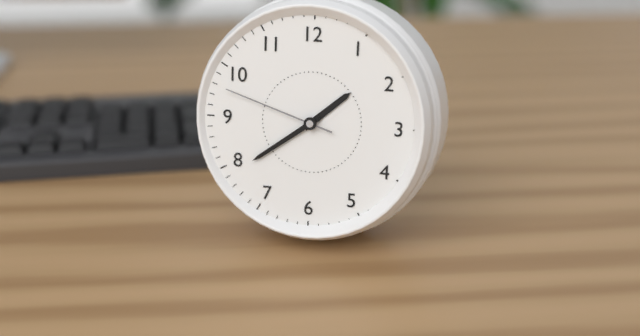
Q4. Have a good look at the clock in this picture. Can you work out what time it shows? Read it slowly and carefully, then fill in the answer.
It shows 1:39:48
